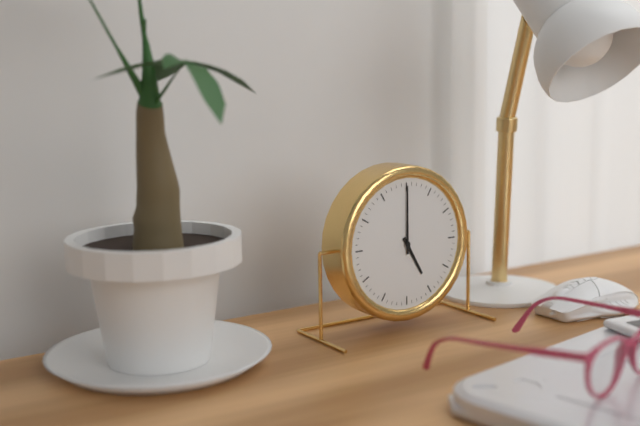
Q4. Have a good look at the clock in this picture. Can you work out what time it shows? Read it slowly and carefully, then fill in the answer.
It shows 5:00
